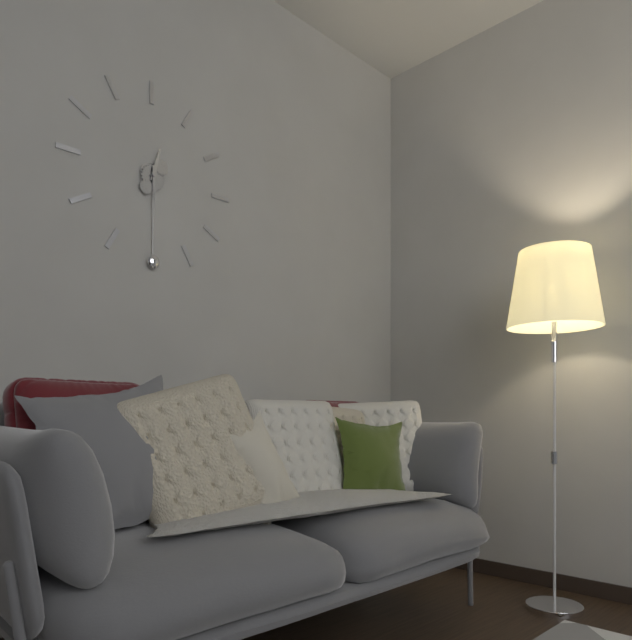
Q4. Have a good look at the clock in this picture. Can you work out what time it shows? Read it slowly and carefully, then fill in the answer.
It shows 12:30
